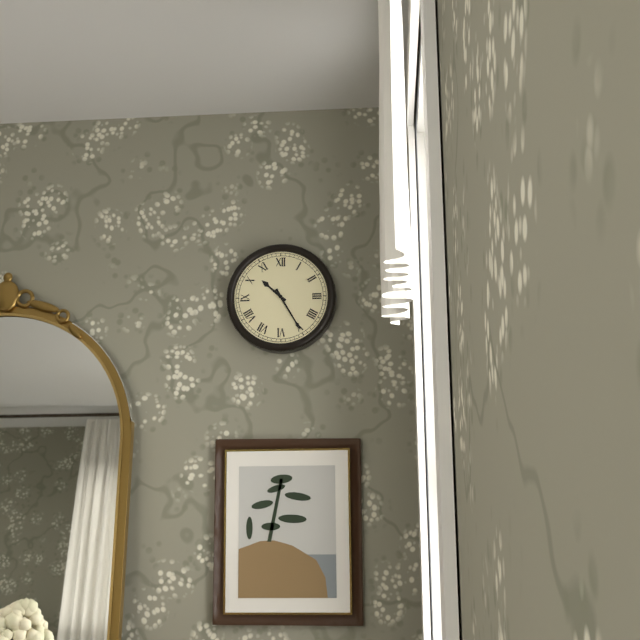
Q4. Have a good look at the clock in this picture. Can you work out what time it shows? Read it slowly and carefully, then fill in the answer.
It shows 10:25
